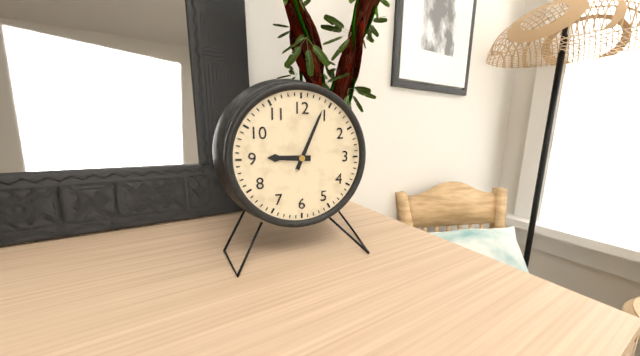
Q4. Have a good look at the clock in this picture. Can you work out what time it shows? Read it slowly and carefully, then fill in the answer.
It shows 9:04
